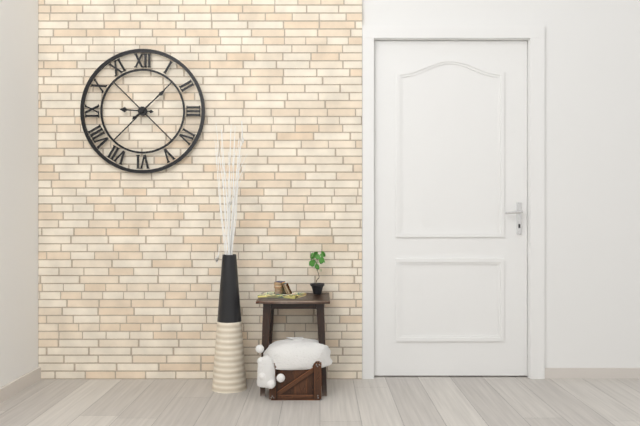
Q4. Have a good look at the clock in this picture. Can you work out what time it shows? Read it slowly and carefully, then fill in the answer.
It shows 9:08
